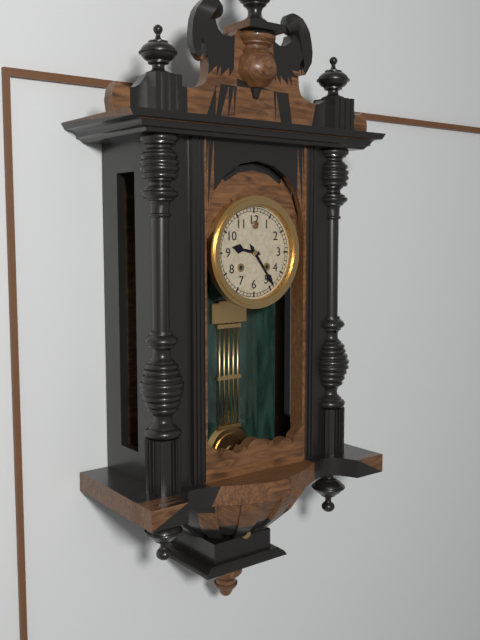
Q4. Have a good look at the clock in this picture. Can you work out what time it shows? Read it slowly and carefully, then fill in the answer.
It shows 9:24
